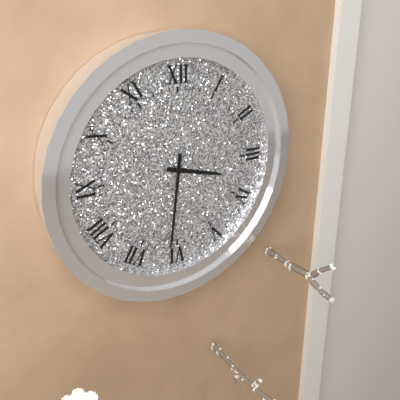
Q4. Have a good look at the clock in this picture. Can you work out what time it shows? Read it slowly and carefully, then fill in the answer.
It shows 3:31
